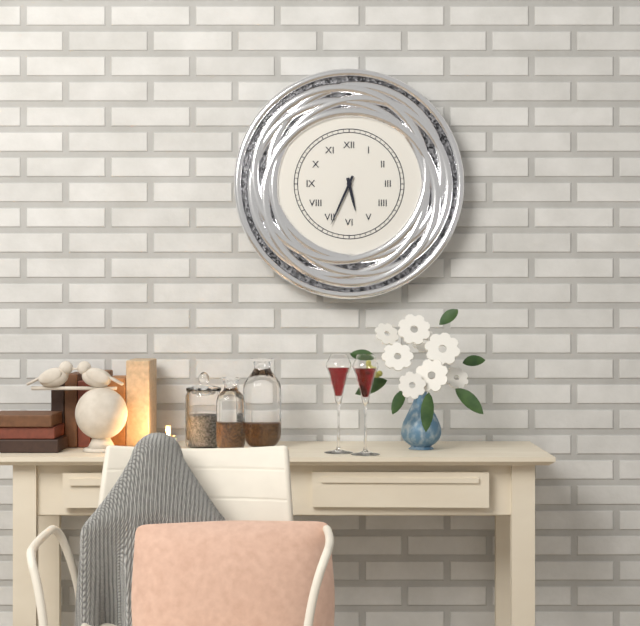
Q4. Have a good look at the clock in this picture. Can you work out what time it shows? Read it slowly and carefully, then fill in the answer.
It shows 5:34
